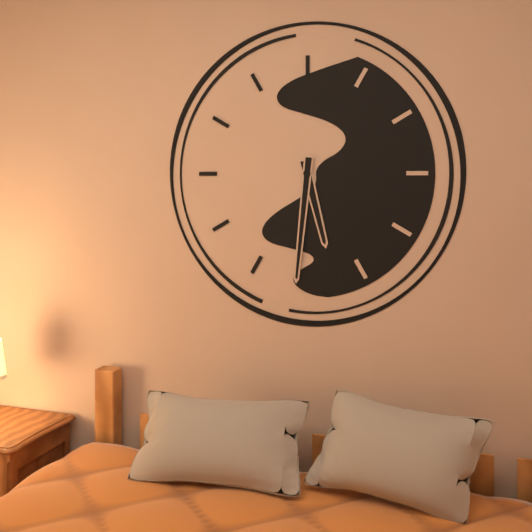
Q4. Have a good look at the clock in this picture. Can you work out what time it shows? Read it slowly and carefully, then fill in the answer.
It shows 5:31
